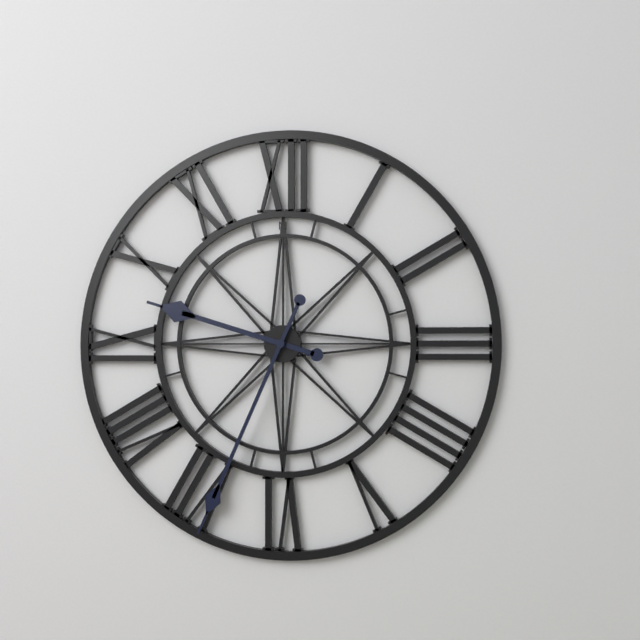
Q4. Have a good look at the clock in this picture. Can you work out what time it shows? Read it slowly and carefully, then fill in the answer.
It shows 9:34
